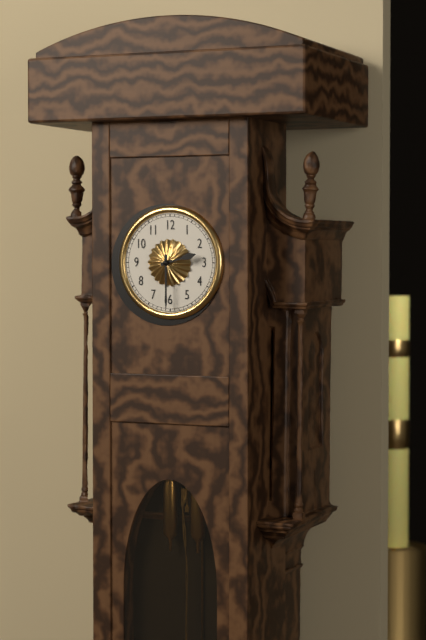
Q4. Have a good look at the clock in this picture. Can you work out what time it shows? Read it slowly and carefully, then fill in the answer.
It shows 2:30
